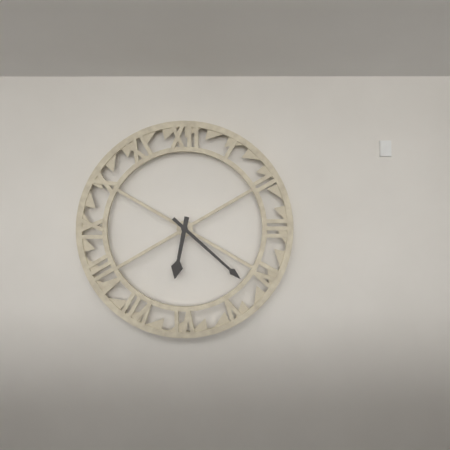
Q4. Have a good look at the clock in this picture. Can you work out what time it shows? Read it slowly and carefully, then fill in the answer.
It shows 6:22
